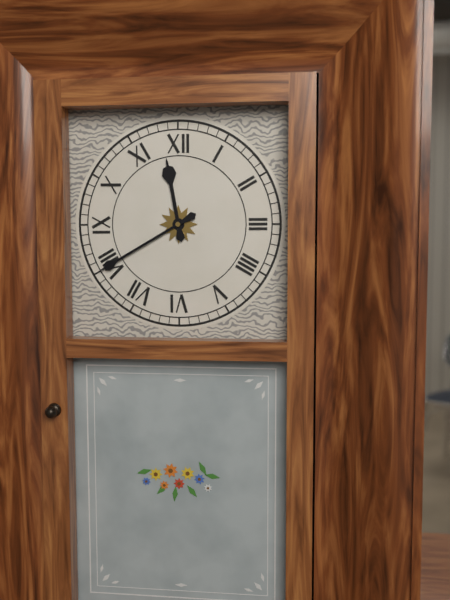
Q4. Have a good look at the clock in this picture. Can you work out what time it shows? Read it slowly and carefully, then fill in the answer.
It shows 11:40
